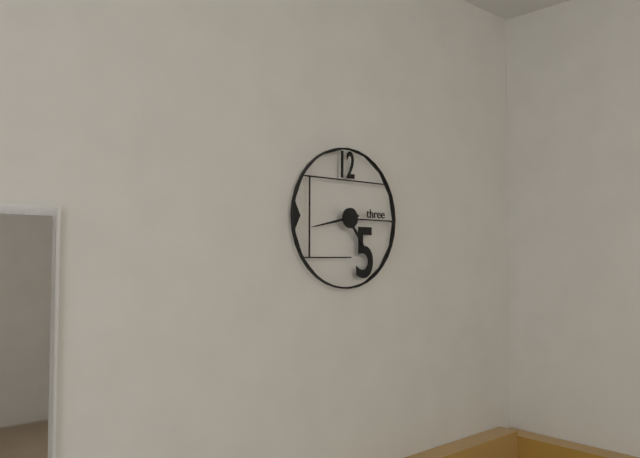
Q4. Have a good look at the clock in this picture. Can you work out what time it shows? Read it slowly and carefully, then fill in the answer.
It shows 4:43
